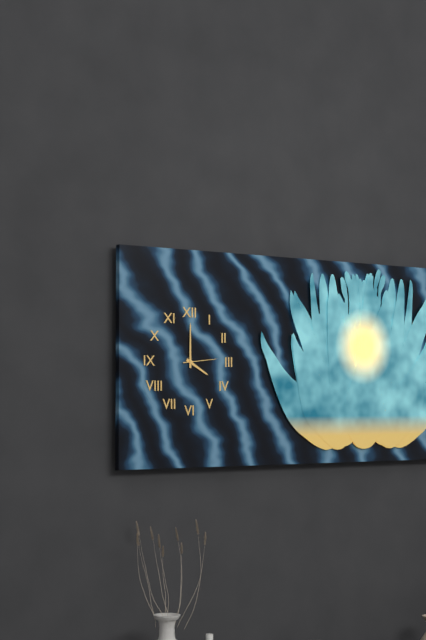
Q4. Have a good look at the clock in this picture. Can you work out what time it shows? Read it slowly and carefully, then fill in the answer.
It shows 4:00
